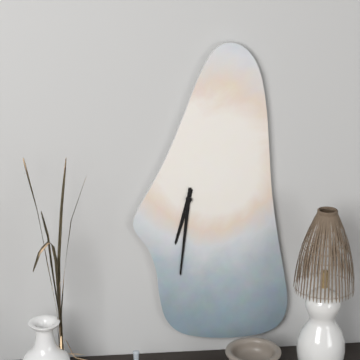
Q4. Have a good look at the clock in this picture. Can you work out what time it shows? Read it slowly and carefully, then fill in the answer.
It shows 6:31
